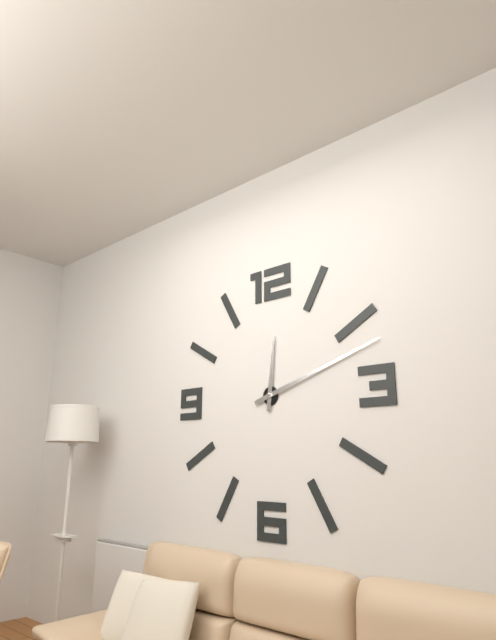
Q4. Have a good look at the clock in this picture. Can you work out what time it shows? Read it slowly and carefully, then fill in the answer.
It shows 12:12
